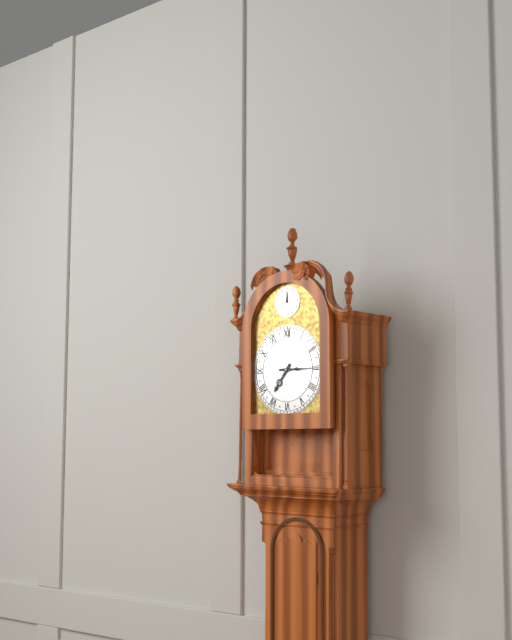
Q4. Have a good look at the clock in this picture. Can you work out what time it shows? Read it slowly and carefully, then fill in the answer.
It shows 7:15
